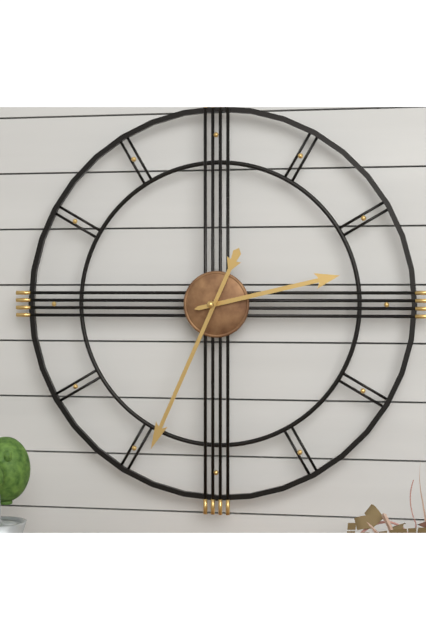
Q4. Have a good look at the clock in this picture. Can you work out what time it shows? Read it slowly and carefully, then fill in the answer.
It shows 2:34
